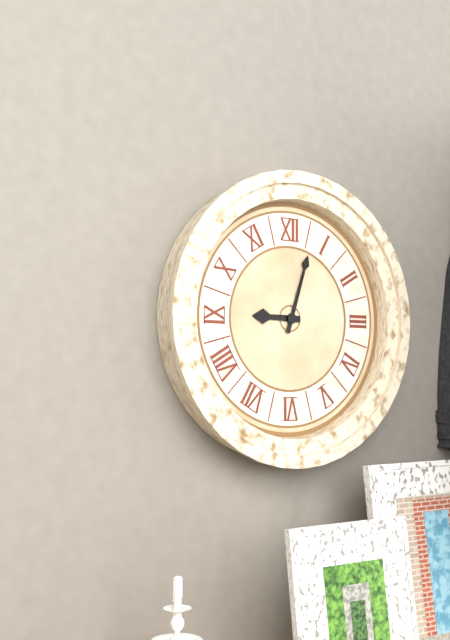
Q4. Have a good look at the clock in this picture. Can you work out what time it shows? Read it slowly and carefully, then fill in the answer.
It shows 9:03
